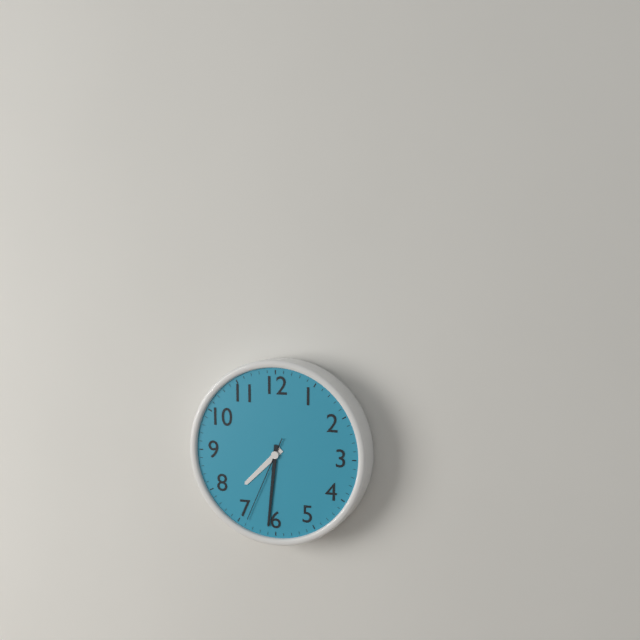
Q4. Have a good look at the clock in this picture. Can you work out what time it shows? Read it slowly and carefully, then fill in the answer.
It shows 7:31:34
